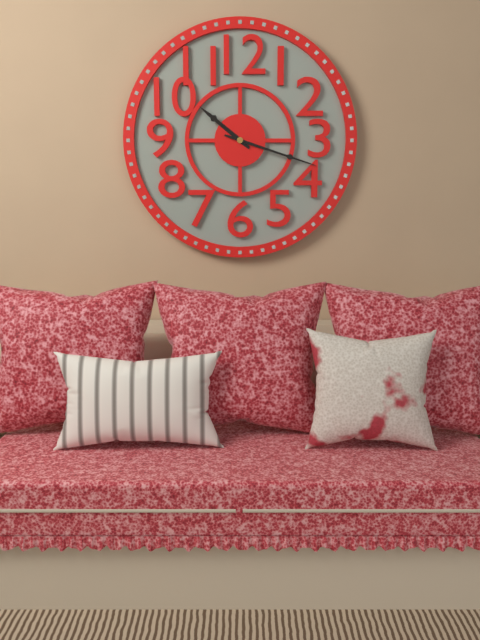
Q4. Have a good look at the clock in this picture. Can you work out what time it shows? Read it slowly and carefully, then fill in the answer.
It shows 10:18
